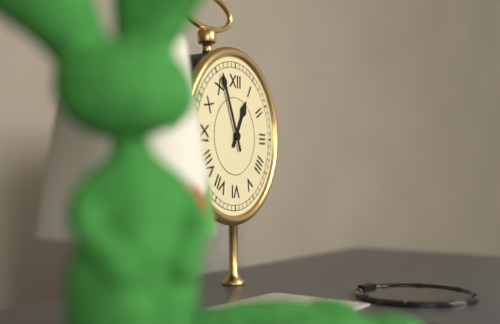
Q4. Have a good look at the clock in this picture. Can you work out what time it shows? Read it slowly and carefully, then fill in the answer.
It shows 12:56
